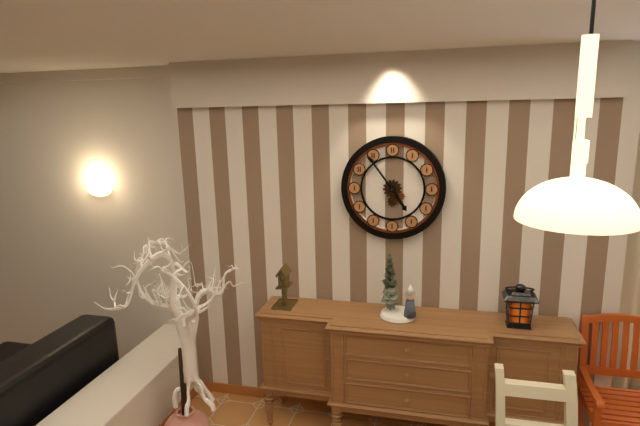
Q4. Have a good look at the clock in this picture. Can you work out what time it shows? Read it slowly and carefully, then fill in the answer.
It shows 4:54
